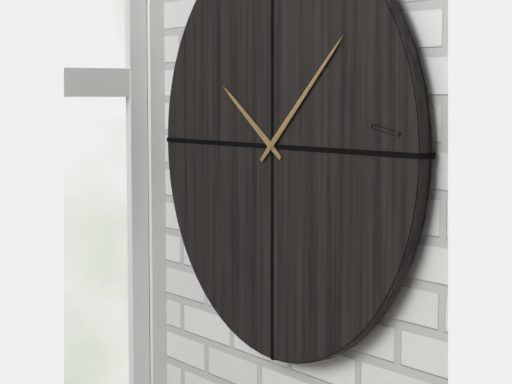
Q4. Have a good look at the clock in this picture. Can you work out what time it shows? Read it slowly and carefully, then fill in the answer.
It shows 10:08
